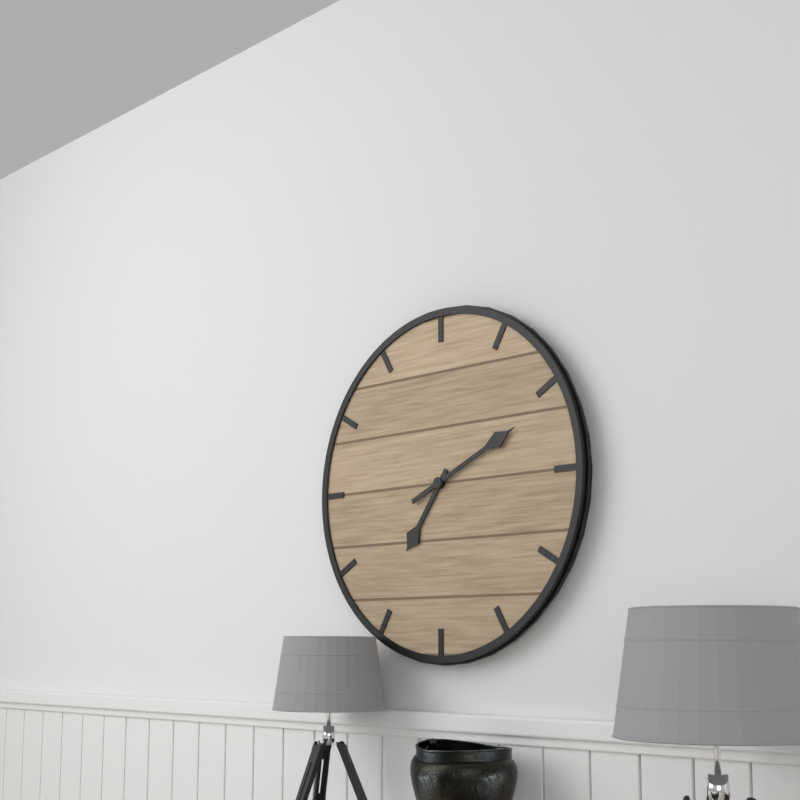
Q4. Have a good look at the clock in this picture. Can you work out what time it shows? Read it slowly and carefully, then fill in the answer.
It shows 7:11
